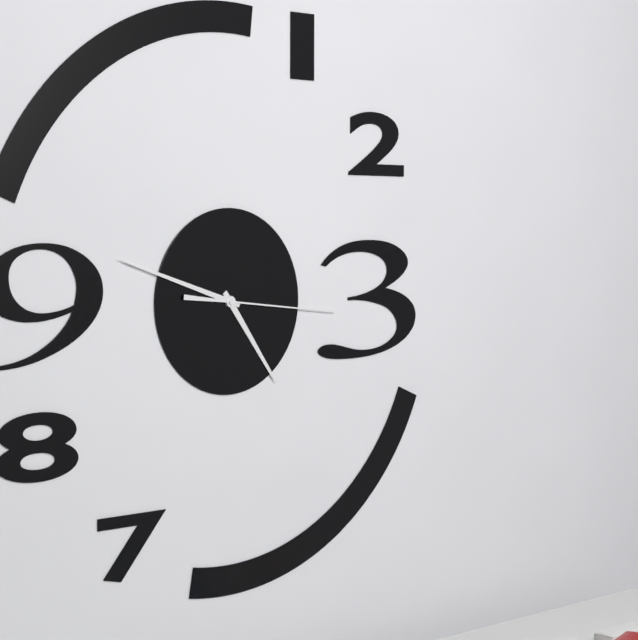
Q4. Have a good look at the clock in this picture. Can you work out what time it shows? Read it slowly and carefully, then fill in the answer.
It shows 4:48:16
